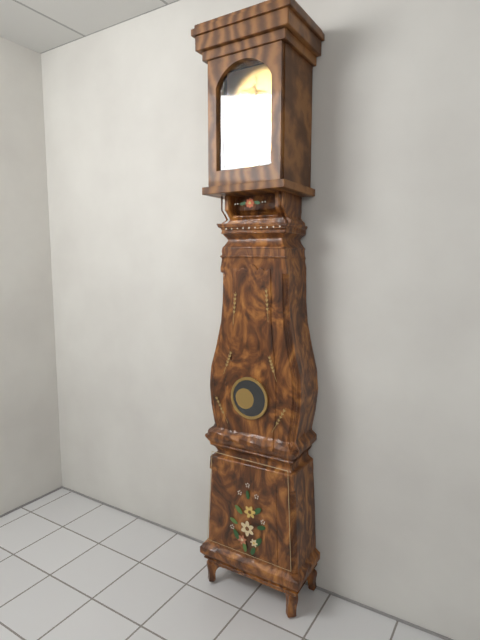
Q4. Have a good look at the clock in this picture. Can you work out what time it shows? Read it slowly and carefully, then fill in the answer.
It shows 9:01
